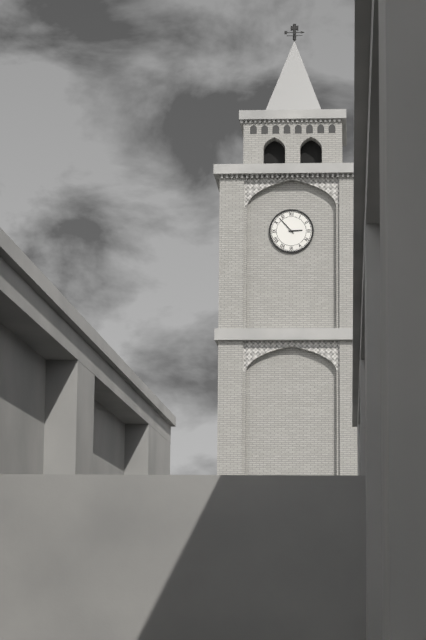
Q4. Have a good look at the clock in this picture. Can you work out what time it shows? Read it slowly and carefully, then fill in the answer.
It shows 2:53
